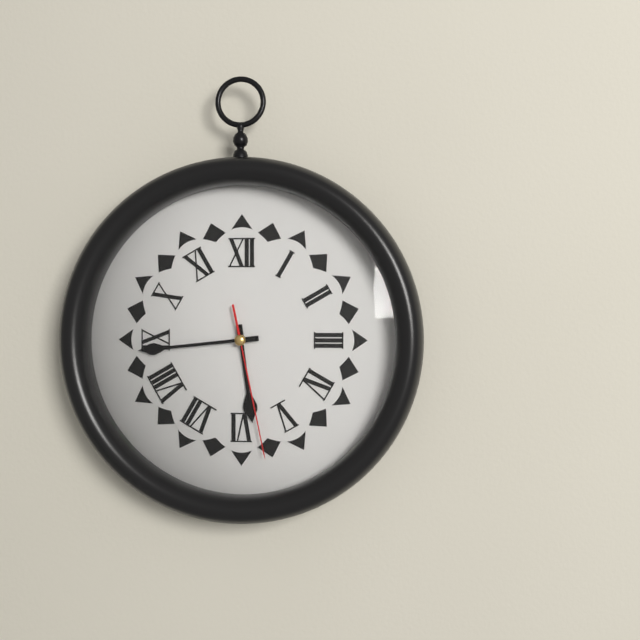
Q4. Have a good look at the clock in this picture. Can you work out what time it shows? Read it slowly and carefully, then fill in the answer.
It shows 5:44:28
